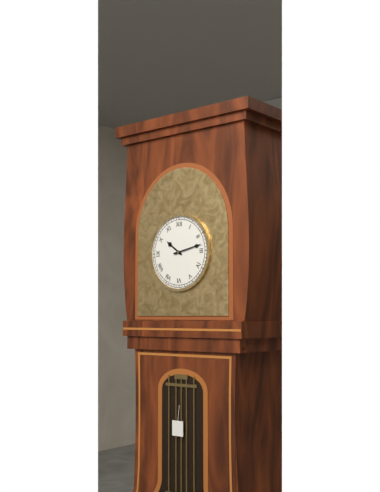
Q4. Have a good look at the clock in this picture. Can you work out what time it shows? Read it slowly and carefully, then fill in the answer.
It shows 10:13
